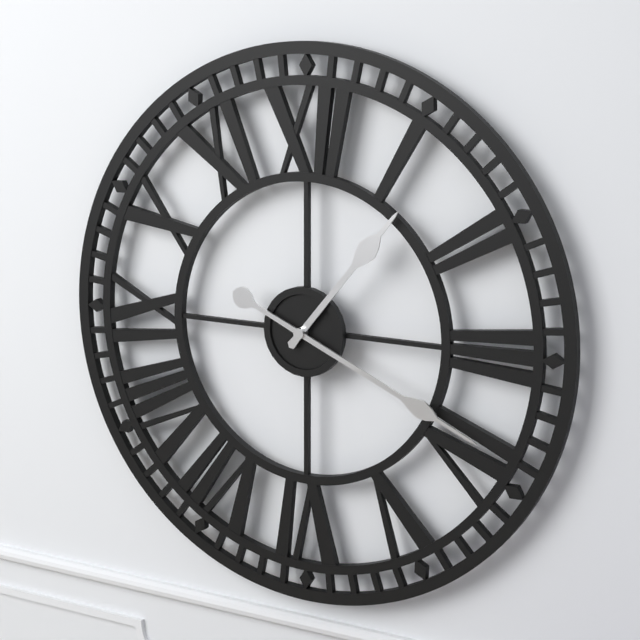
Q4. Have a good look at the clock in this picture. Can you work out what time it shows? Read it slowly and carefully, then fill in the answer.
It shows 1:19
